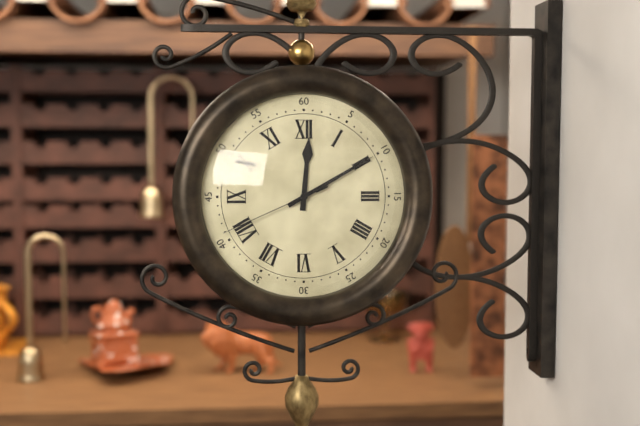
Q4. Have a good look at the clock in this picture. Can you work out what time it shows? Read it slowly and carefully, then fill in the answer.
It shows 12:10:41
